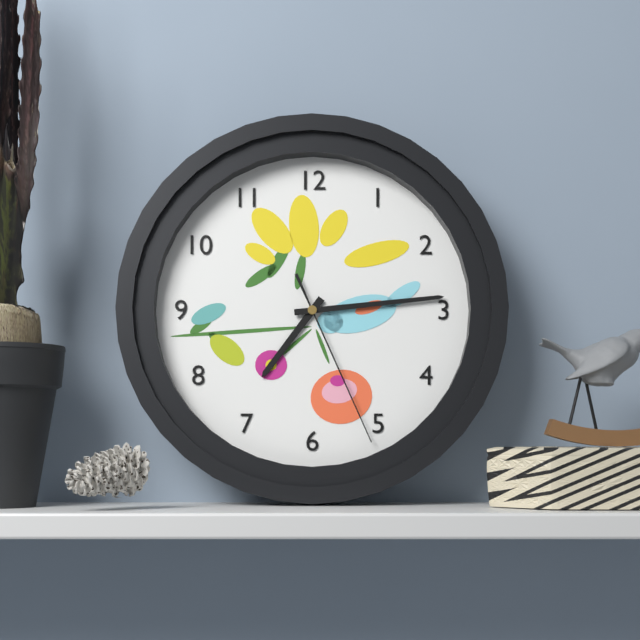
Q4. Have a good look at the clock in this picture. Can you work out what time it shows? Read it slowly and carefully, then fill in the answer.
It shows 7:14:26
